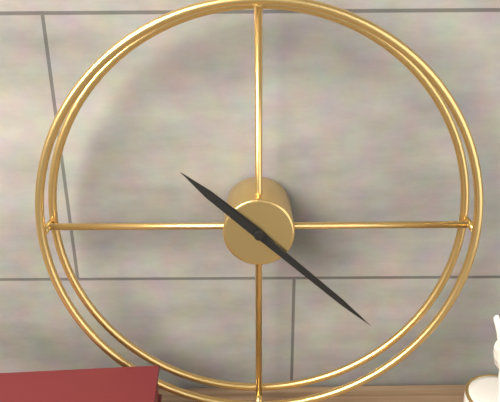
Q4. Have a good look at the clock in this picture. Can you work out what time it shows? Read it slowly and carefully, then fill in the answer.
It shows 10:22
